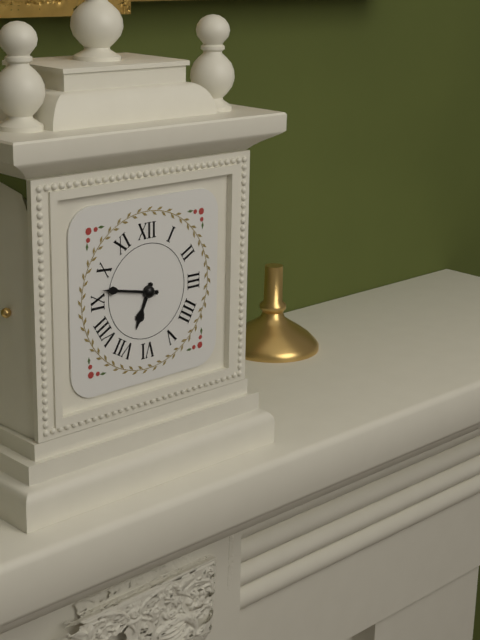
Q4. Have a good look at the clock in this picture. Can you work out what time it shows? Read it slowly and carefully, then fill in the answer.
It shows 6:47
